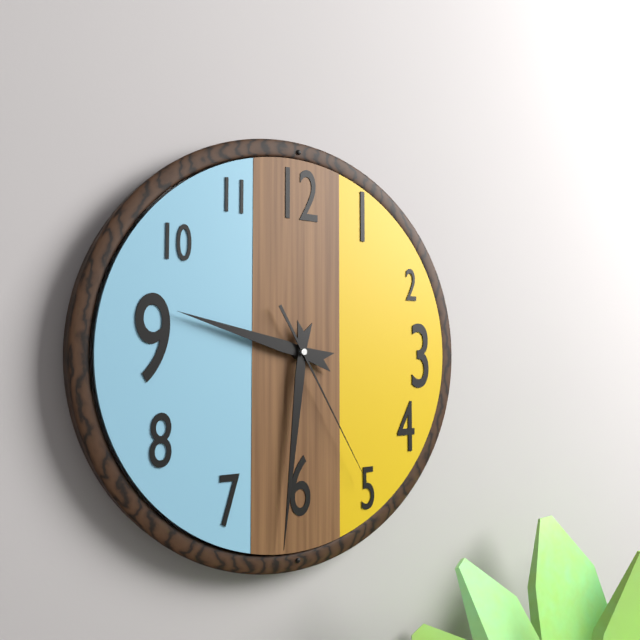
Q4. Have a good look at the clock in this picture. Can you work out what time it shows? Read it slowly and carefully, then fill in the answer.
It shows 9:31:25
